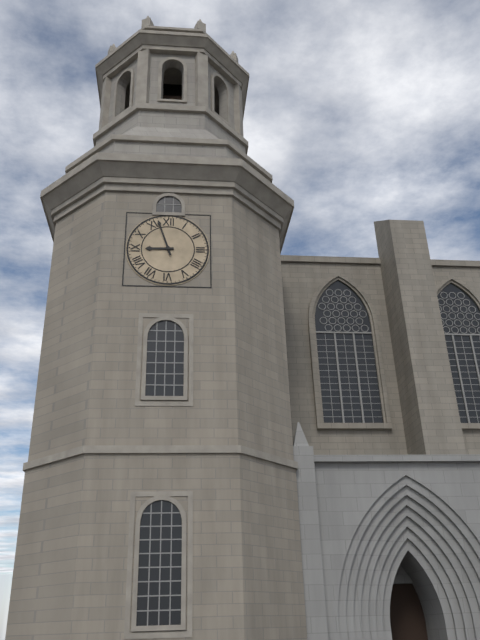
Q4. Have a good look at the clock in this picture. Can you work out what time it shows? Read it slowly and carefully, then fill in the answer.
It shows 8:57
